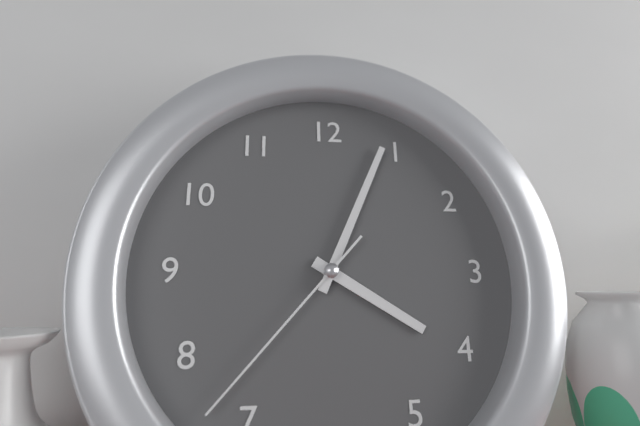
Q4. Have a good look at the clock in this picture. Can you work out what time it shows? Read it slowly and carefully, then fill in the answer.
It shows 4:04:37
